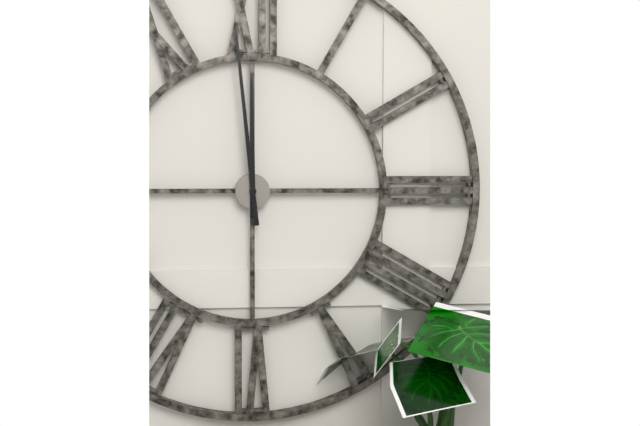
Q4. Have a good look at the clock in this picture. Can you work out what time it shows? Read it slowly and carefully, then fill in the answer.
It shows 11:59
